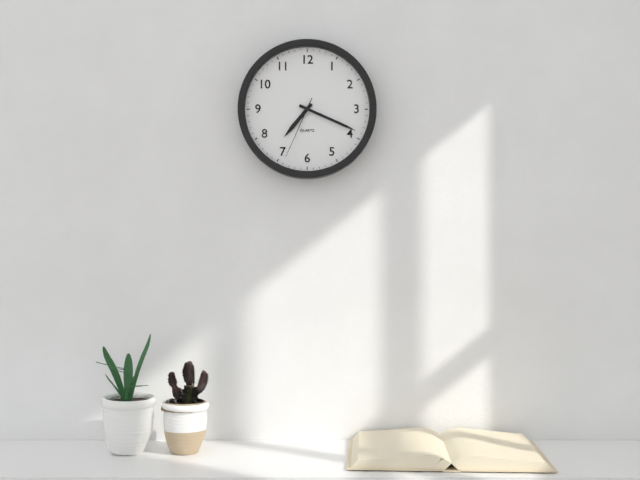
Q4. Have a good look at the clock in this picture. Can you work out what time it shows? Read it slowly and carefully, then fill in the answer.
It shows 7:19:34
